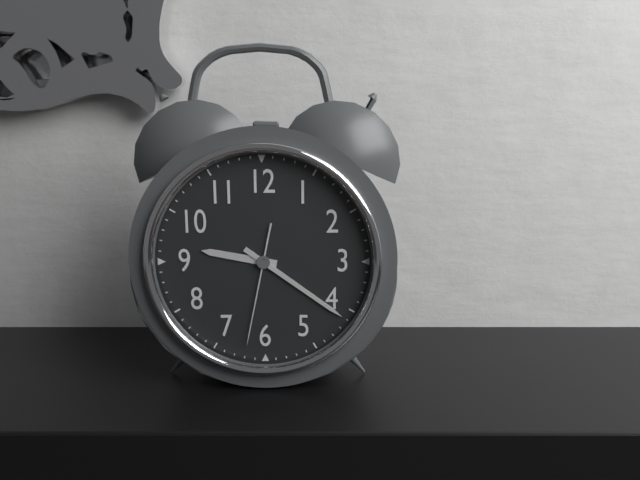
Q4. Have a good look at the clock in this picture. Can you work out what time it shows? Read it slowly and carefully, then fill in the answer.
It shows 9:21:32
